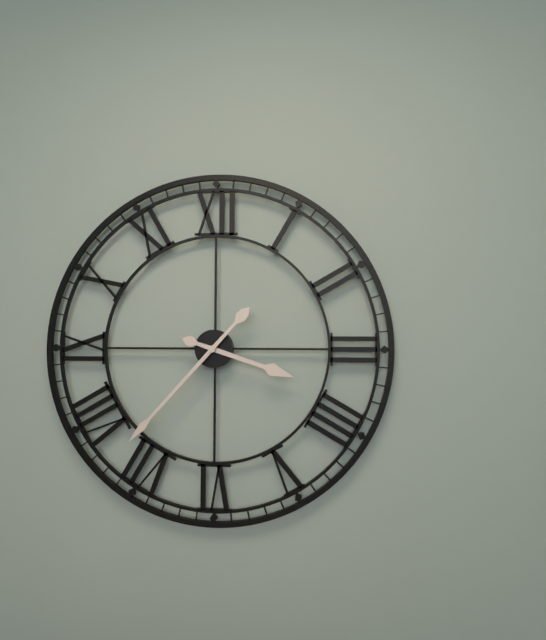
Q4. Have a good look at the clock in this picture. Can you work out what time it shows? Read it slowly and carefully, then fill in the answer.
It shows 3:37
